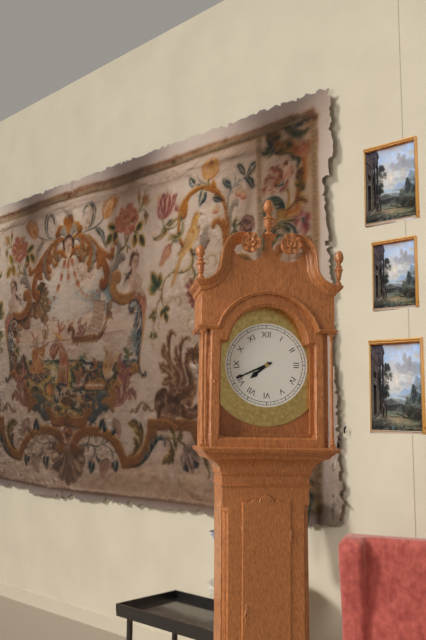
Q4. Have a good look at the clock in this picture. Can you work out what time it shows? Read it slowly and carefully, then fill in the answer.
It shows 7:41
